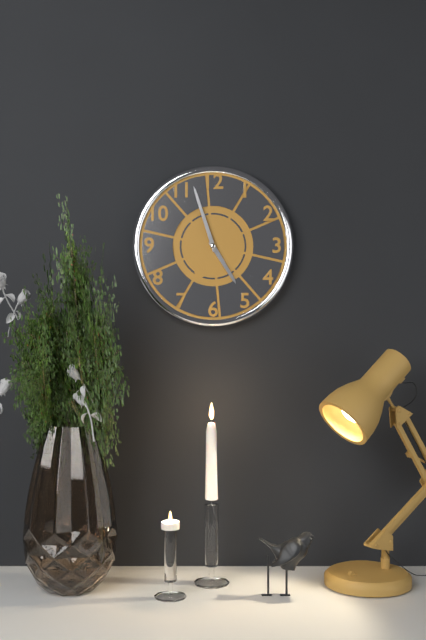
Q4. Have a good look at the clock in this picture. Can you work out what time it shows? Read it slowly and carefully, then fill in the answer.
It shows 4:57
